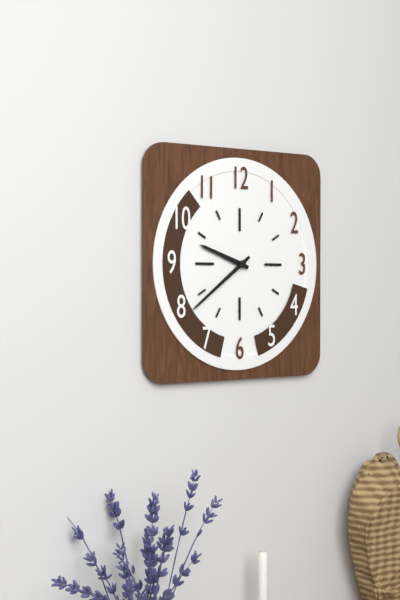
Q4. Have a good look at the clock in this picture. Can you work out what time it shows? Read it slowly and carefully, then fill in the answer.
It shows 9:39
